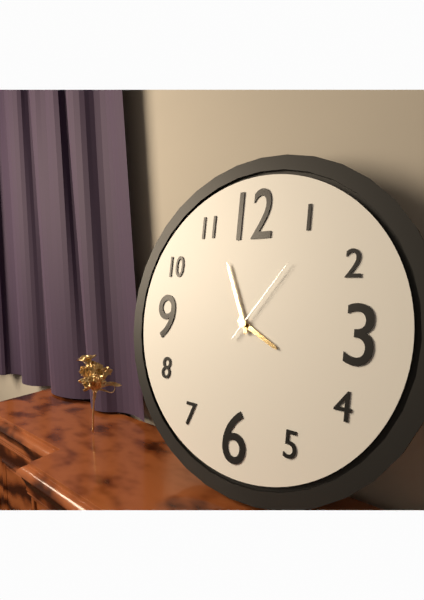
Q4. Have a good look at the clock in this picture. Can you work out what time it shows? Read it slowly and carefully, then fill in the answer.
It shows 3:56:06
